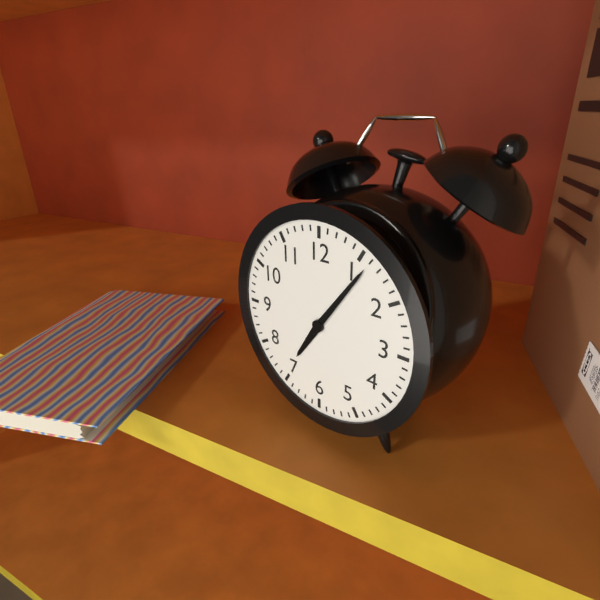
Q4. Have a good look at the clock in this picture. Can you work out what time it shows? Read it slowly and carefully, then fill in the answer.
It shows 7:06
